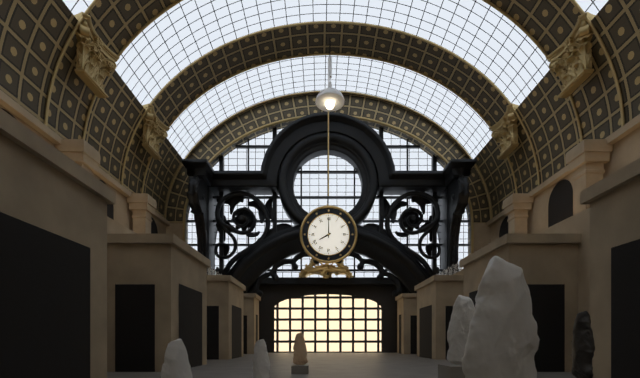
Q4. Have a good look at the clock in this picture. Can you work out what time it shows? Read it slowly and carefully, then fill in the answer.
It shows 8:00
